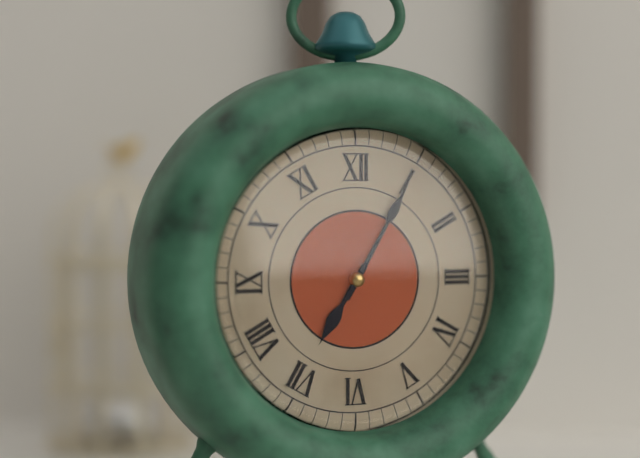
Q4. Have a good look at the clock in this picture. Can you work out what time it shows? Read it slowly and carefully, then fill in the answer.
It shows 7:05
